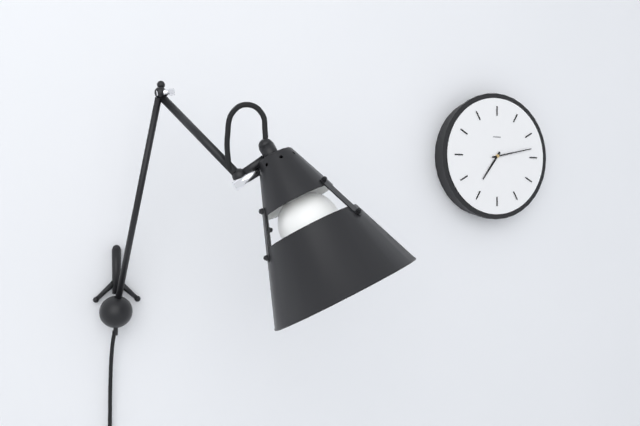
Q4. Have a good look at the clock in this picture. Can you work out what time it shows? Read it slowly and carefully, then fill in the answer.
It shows 7:13
